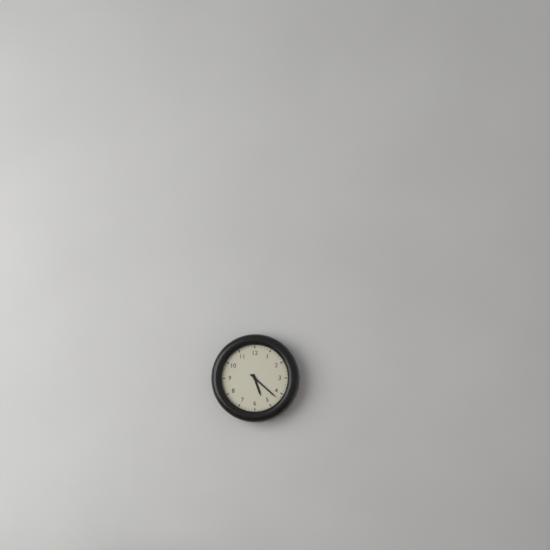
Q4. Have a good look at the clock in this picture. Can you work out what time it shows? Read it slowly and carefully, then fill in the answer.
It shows 5:22
